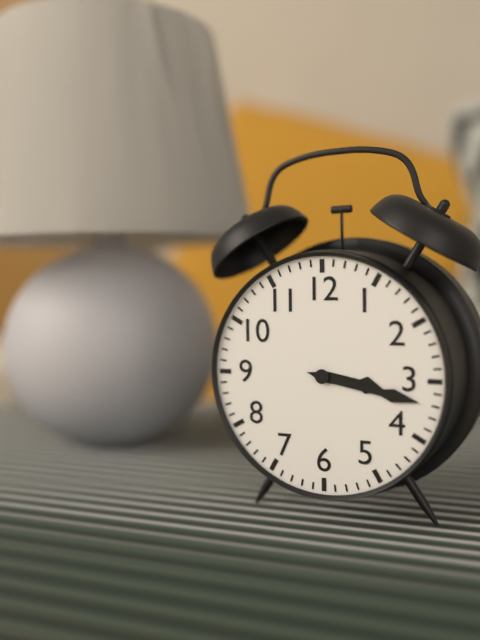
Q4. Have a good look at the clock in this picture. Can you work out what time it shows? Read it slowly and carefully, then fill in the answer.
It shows 3:17
